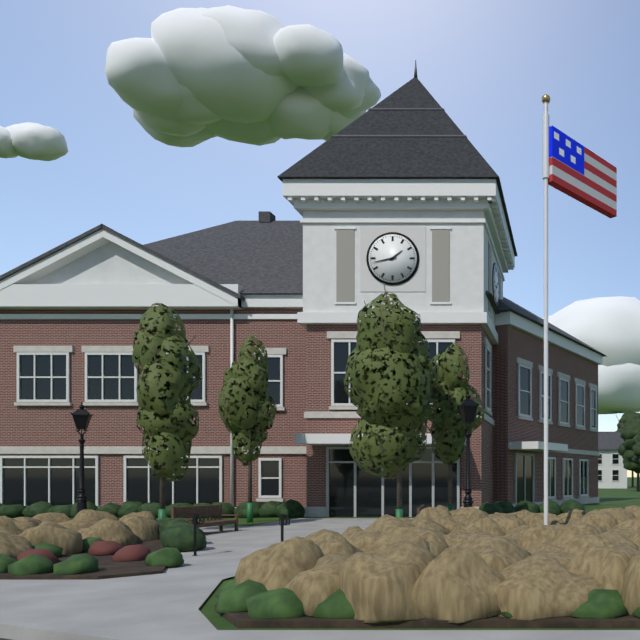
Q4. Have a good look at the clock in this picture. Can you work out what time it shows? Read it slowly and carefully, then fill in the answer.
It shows 1:43
